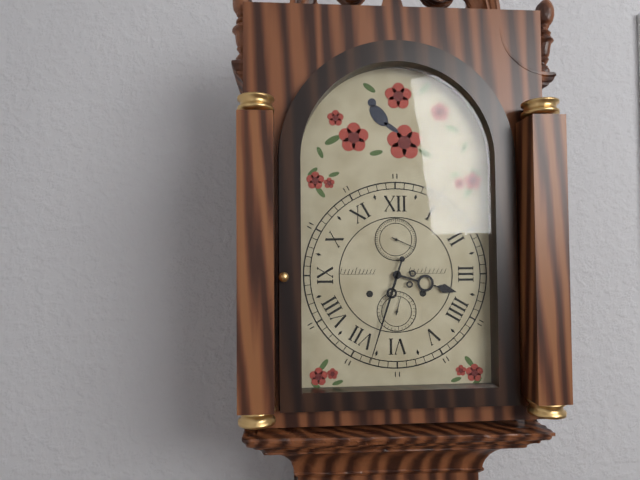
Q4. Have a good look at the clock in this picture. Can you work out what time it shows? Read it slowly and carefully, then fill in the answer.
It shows 3:33
